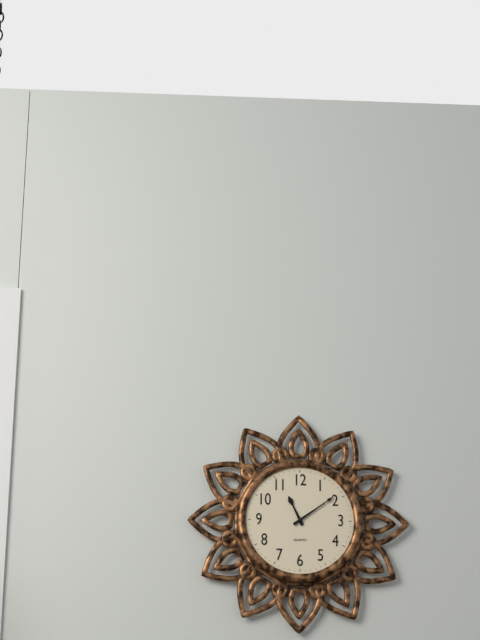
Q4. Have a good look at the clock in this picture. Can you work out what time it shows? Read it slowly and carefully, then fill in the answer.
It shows 11:09
